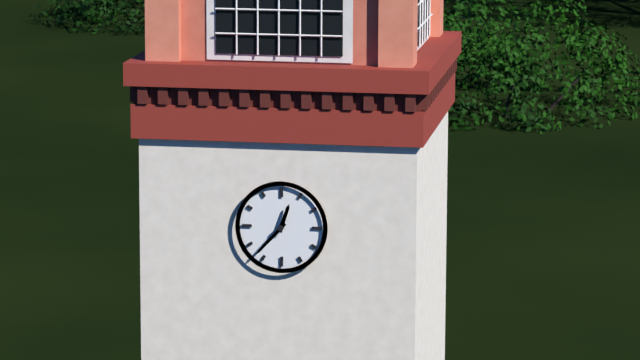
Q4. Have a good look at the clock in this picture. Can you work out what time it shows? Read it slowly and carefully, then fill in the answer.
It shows 12:37
